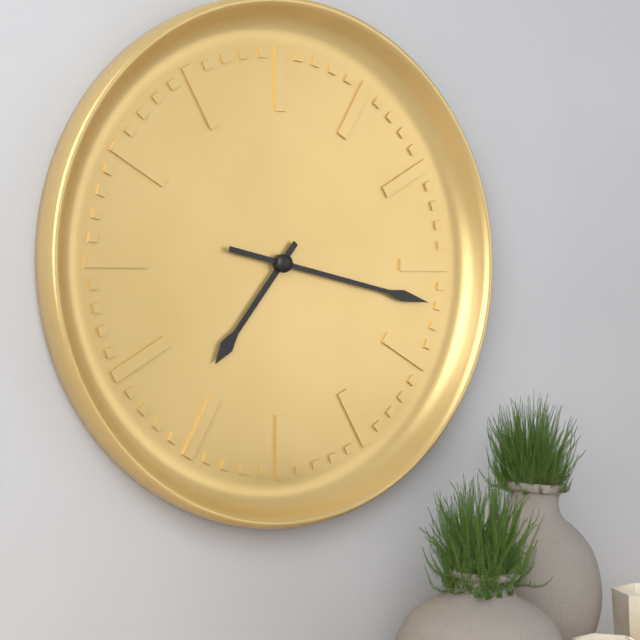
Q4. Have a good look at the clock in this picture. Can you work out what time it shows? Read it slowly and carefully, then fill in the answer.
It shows 7:17
